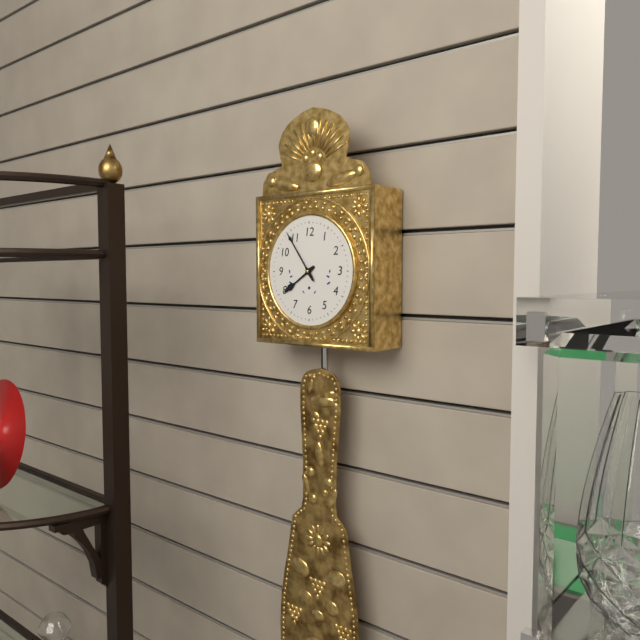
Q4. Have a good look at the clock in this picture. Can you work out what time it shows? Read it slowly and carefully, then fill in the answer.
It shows 7:54
